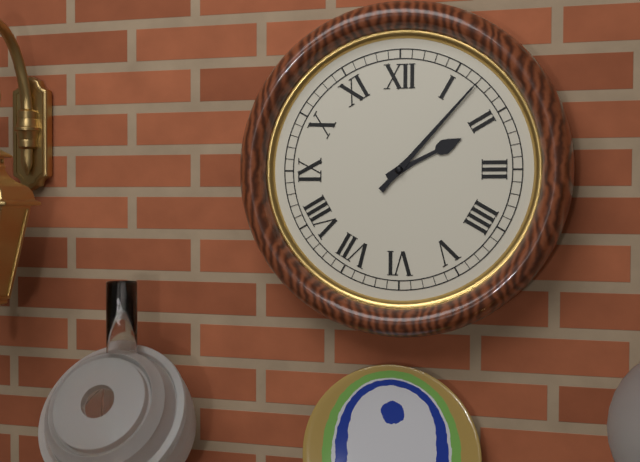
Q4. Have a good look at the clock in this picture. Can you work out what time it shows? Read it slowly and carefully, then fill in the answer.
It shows 2:07
